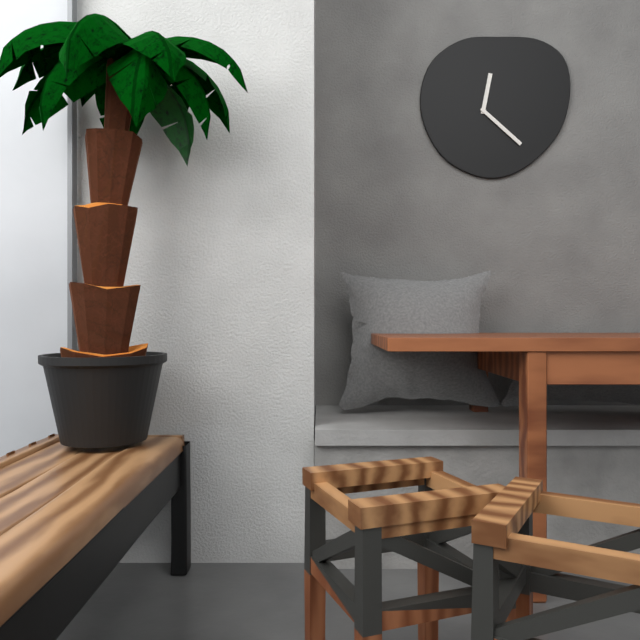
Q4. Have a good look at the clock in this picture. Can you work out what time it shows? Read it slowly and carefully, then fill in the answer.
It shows 12:22
